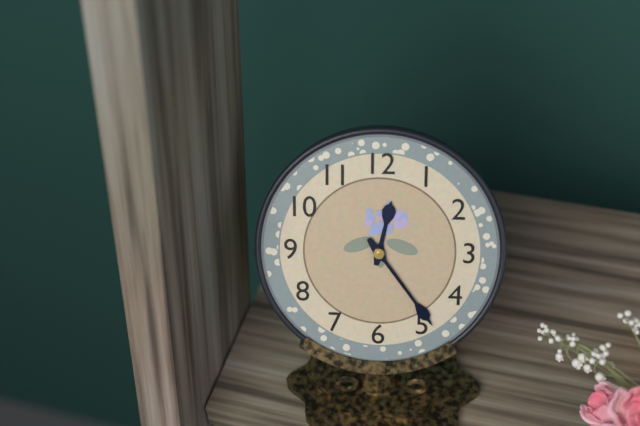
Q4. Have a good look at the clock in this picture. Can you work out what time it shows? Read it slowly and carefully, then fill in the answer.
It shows 12:24
